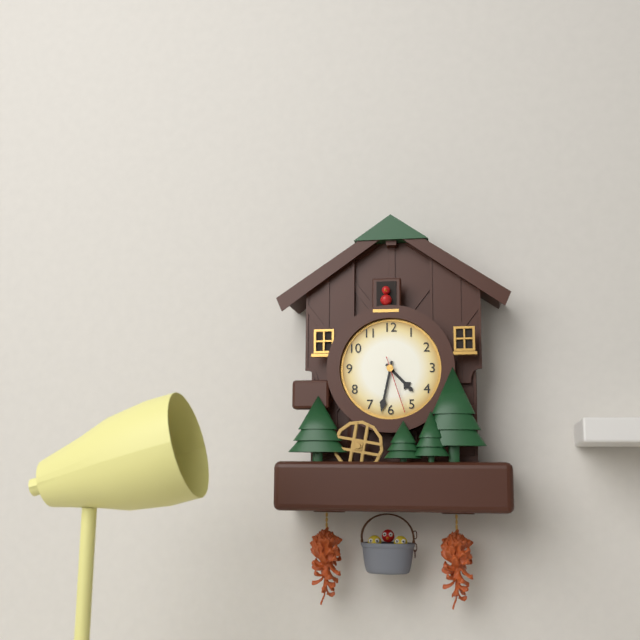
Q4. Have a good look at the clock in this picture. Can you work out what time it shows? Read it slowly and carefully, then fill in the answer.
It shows 4:32:27
